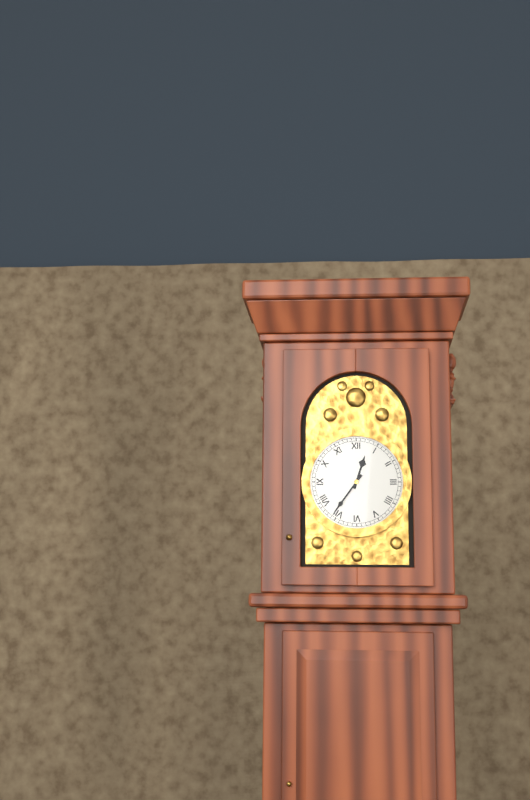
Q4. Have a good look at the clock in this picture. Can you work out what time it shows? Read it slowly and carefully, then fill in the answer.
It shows 12:36
